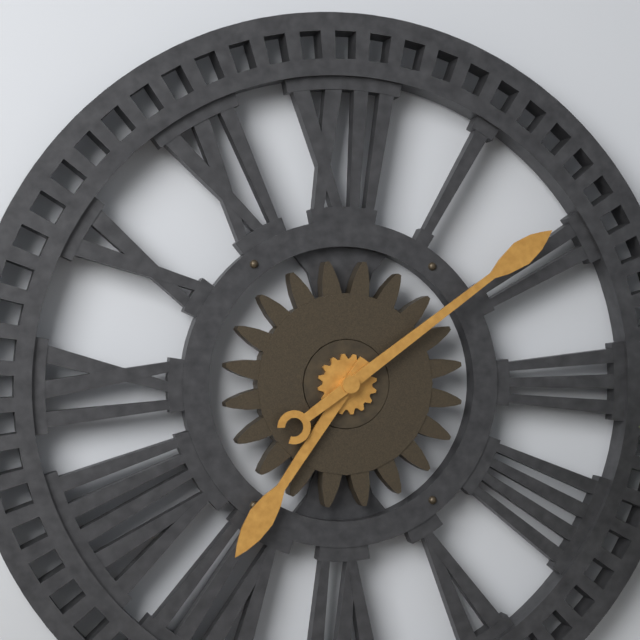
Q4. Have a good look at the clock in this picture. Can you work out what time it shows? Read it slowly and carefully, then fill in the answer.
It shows 7:09
